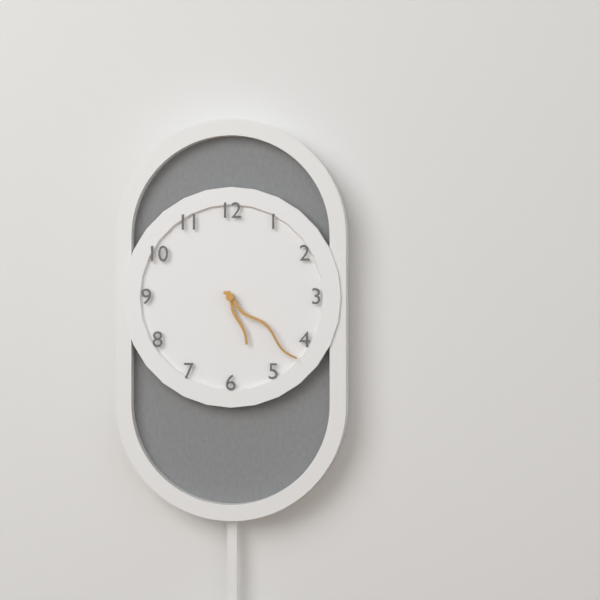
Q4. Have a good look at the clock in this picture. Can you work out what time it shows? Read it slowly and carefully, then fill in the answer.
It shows 5:22
